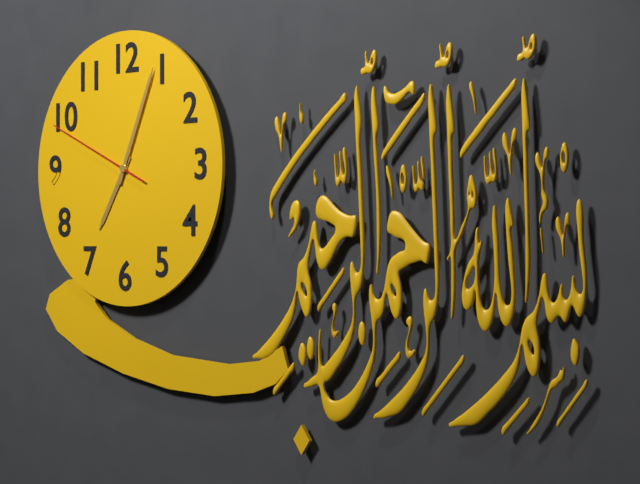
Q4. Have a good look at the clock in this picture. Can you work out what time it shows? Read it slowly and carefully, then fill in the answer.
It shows 7:04:49
